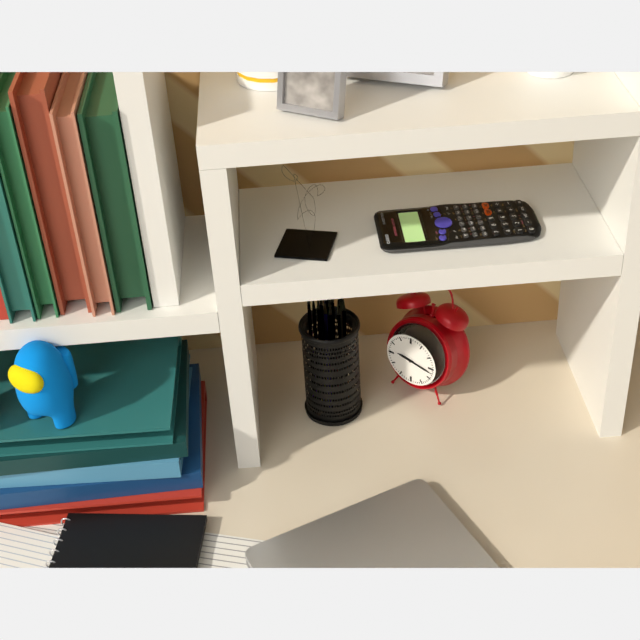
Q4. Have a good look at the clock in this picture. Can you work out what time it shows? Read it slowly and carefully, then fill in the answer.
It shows 9:17
